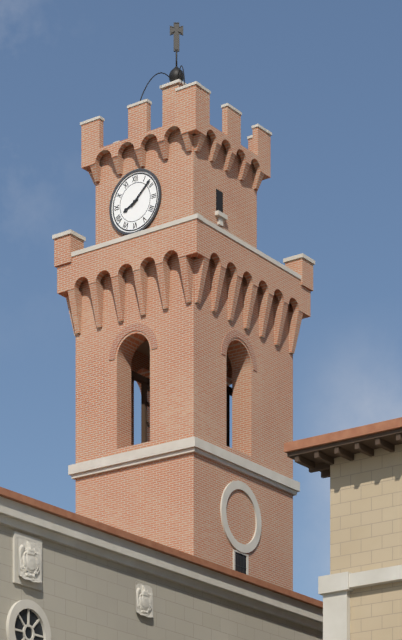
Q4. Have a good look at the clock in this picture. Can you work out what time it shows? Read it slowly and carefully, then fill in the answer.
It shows 8:08
